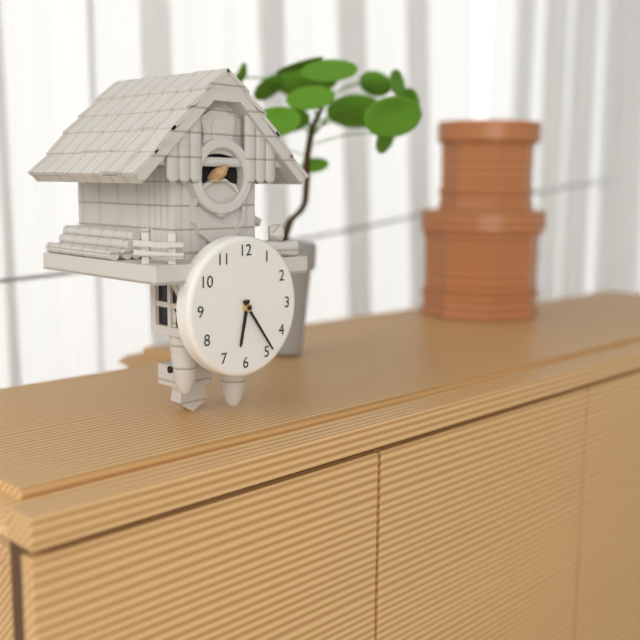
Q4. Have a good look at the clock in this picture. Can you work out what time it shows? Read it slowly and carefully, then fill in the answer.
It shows 6:24
